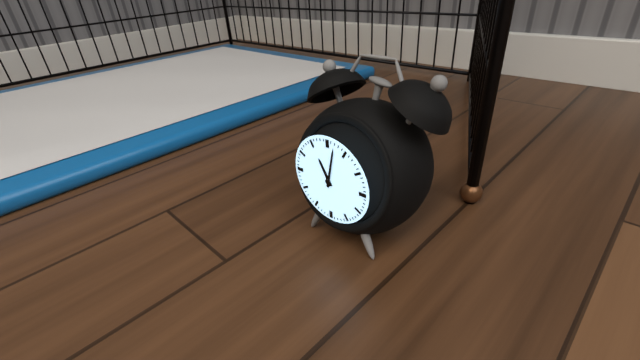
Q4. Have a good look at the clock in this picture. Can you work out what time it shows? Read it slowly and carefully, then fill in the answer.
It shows 11:02
